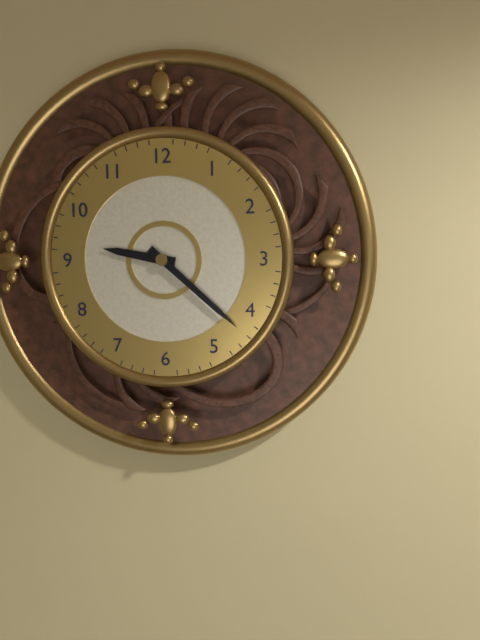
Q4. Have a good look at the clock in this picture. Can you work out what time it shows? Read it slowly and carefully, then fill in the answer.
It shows 9:22
